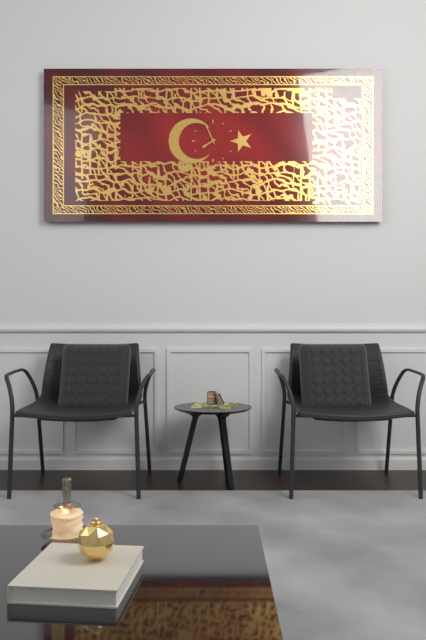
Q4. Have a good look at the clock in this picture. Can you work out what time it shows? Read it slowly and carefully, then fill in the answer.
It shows 7:56
